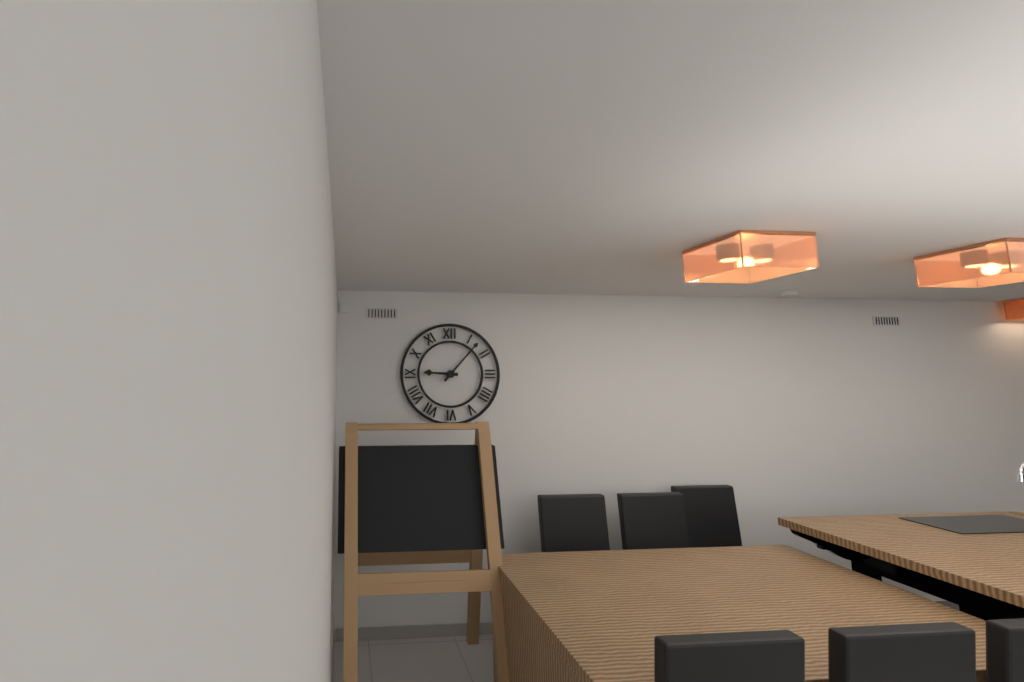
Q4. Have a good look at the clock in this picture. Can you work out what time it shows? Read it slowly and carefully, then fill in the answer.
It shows 9:07
